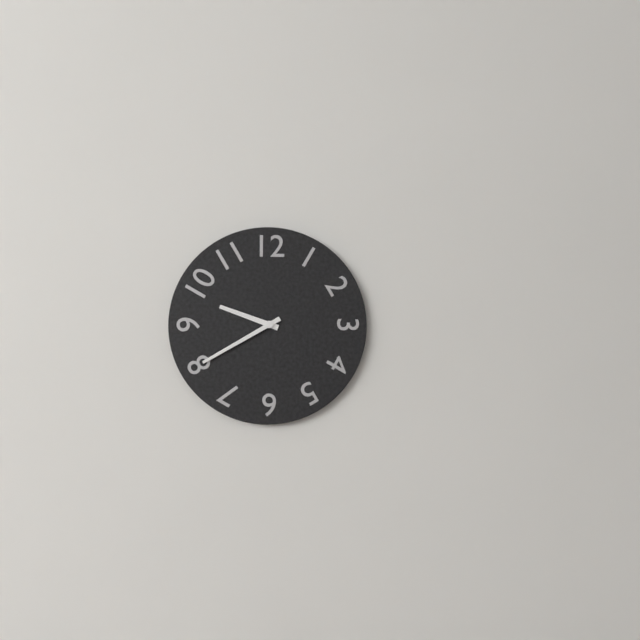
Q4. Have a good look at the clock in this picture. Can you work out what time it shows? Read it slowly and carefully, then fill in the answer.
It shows 9:40
